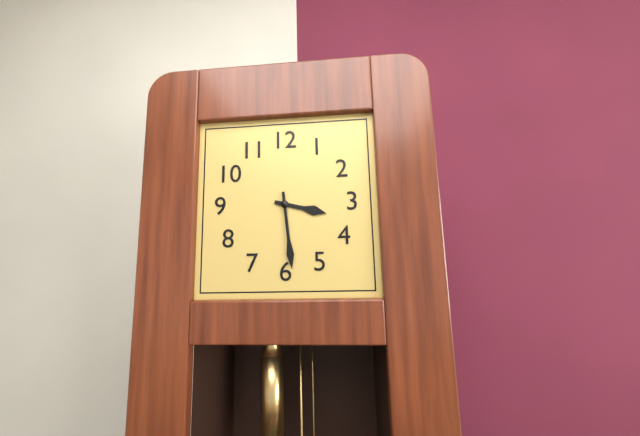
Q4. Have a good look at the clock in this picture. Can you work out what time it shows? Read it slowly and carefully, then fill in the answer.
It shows 3:29
